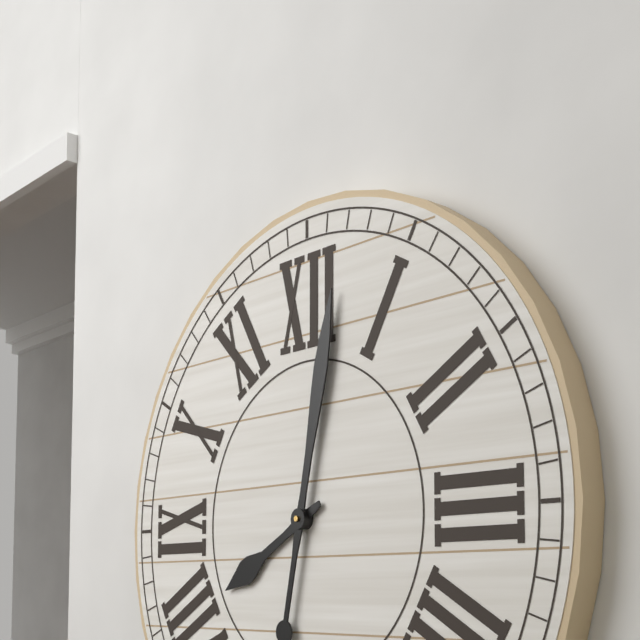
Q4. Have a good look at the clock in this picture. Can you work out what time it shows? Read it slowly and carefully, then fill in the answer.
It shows 8:02
